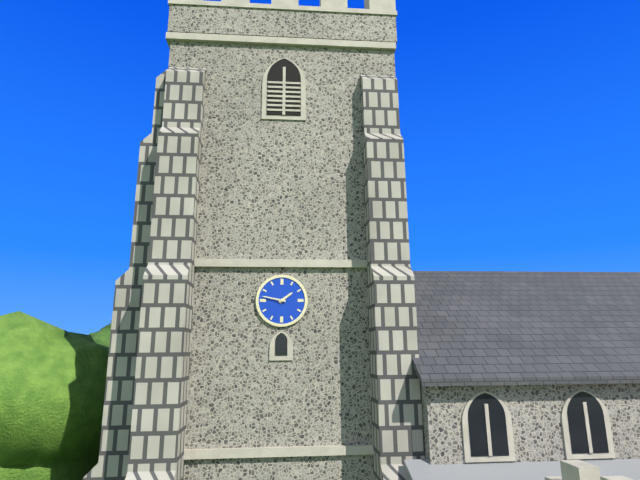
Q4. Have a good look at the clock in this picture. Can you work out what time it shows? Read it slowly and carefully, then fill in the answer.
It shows 1:47
